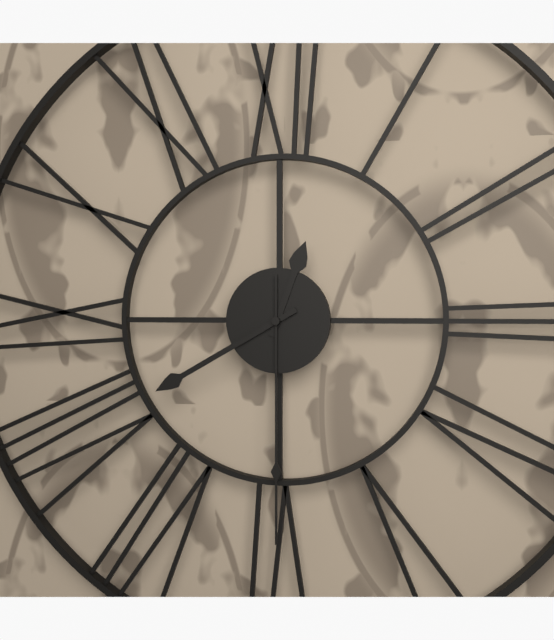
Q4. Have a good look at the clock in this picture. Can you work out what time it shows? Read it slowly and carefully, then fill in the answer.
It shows 12:40:30
